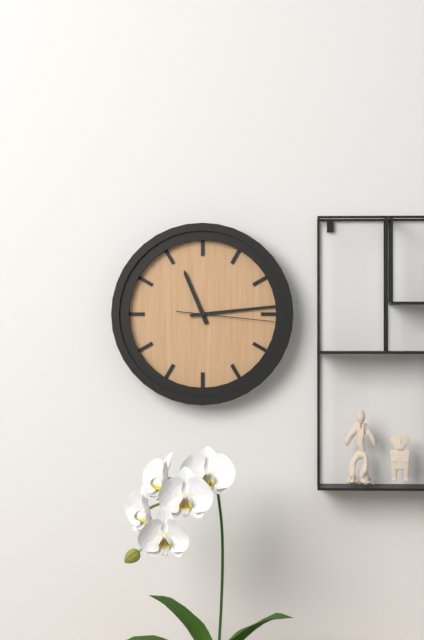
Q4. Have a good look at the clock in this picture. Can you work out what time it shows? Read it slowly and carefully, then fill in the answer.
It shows 11:14:16
